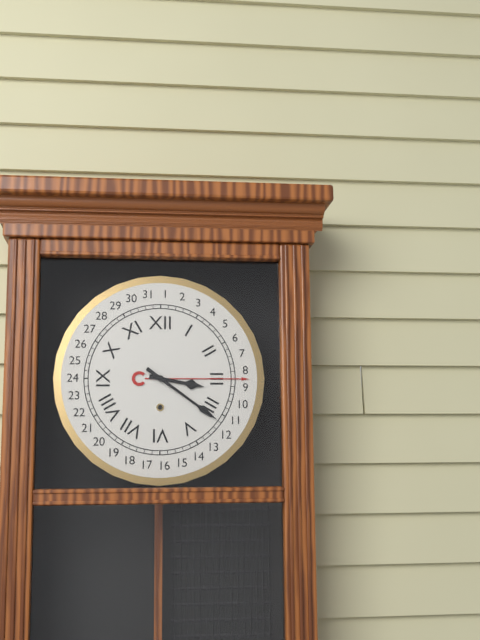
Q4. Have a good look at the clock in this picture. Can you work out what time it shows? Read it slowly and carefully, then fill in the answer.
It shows 3:21
